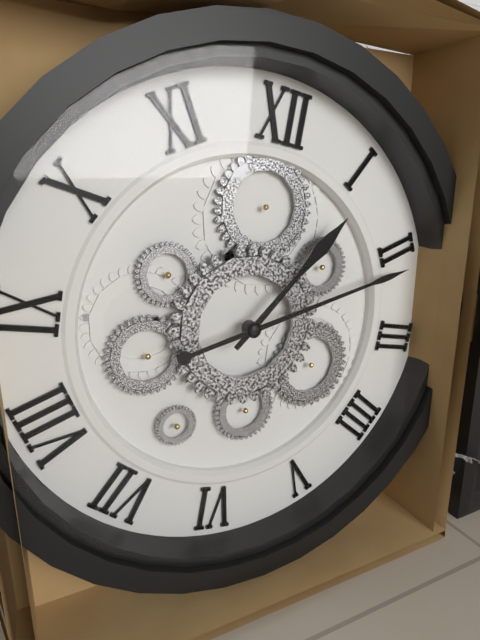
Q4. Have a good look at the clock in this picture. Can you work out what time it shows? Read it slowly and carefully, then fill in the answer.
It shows 1:11
